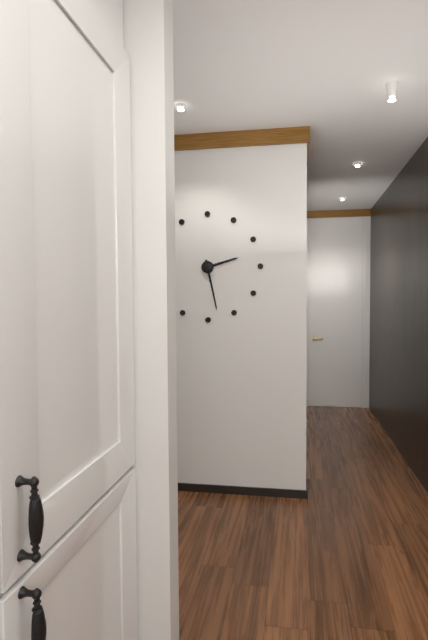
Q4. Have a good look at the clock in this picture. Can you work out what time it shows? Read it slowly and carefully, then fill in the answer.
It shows 2:28
